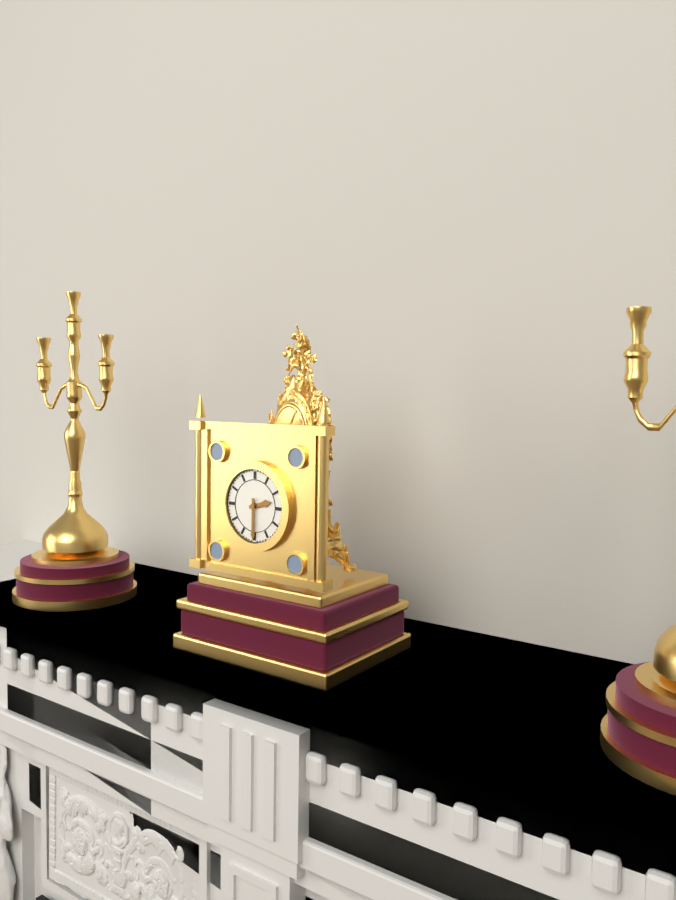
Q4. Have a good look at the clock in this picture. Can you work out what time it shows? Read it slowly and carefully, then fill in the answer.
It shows 2:30
